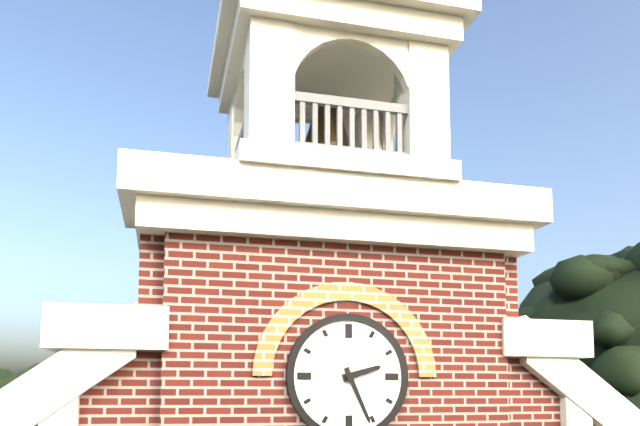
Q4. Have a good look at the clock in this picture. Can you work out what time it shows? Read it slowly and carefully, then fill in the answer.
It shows 2:26
